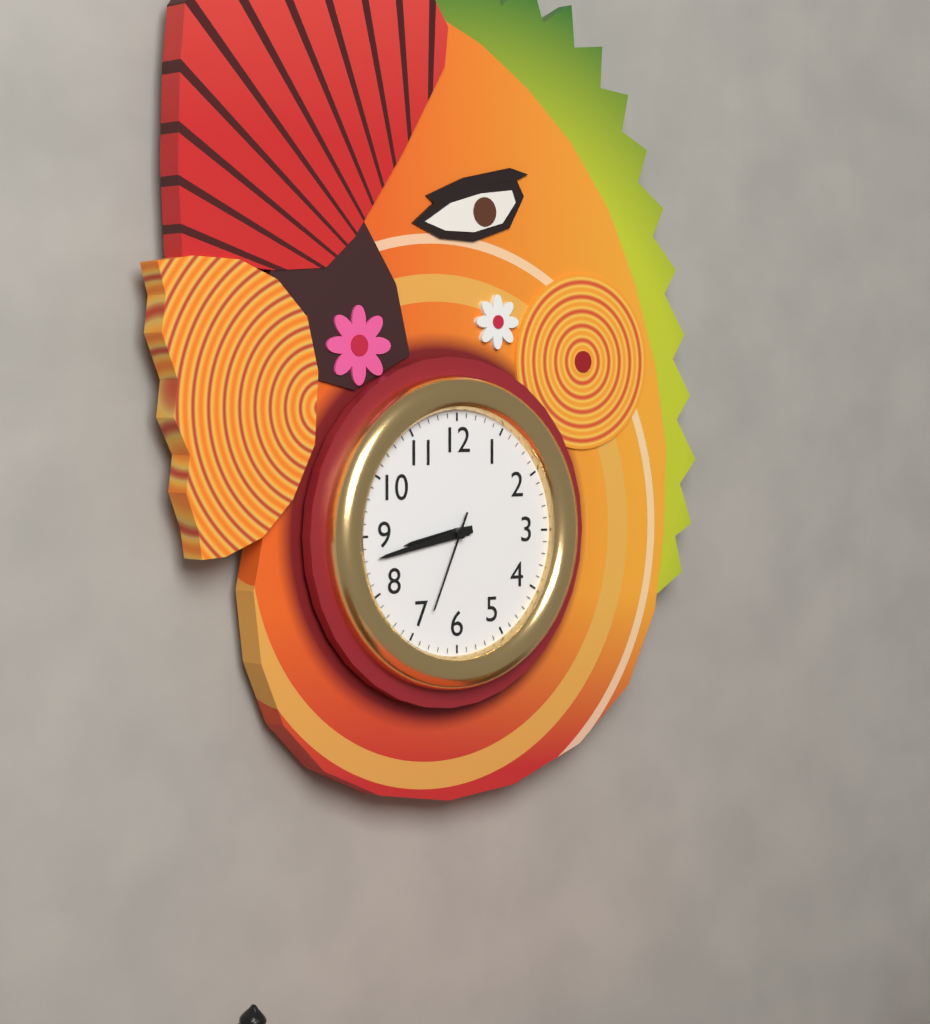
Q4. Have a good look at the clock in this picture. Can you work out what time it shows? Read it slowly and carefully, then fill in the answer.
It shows 8:43:34
